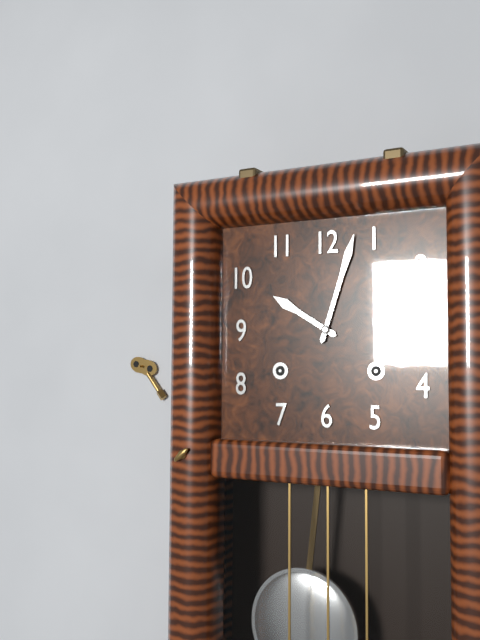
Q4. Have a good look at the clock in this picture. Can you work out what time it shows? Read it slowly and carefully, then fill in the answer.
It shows 10:03
